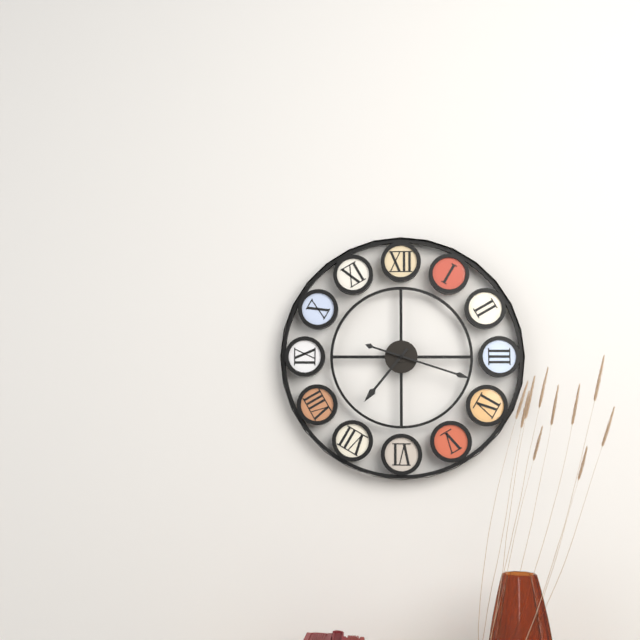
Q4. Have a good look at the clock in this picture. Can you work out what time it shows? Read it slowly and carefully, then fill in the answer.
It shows 7:18
